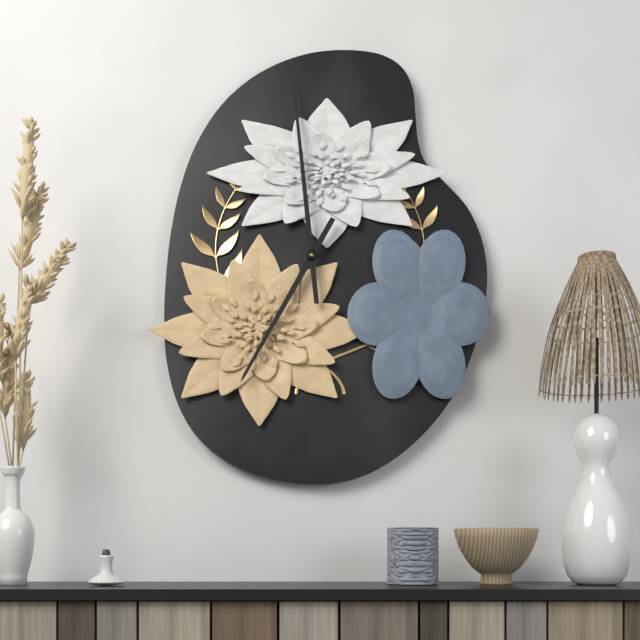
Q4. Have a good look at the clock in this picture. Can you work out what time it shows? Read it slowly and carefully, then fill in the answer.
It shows 6:59
